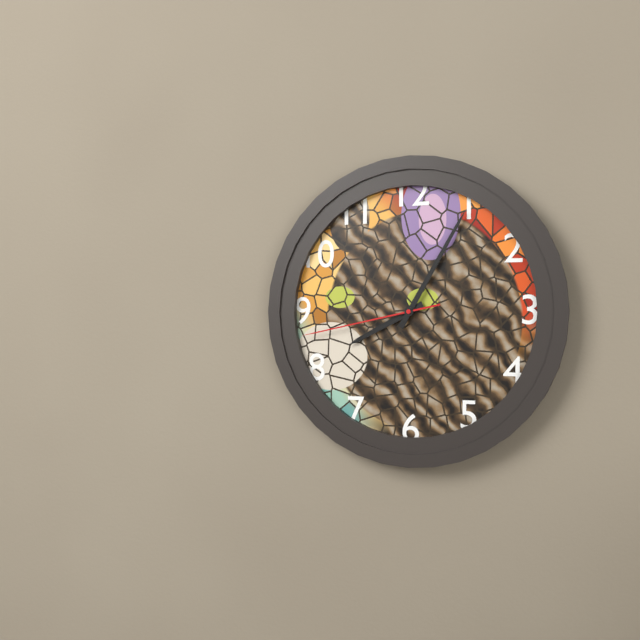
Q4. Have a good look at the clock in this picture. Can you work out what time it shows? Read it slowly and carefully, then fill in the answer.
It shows 8:05:43
